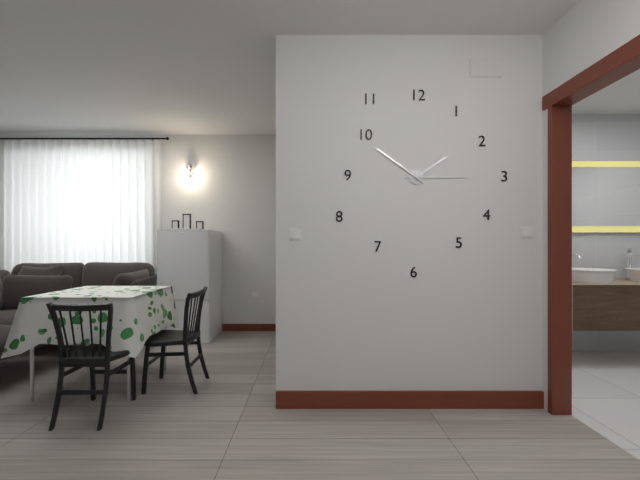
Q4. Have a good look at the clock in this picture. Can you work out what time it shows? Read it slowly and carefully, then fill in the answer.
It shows 1:51:15
